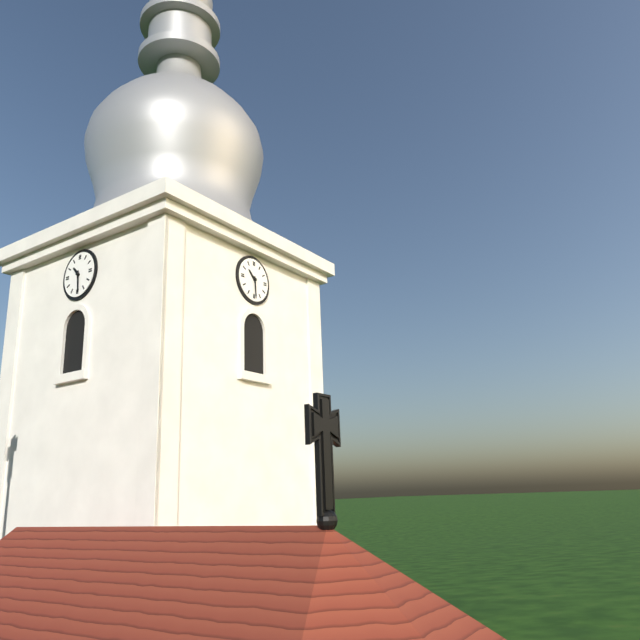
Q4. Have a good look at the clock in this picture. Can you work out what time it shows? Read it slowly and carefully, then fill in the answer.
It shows 10:29
